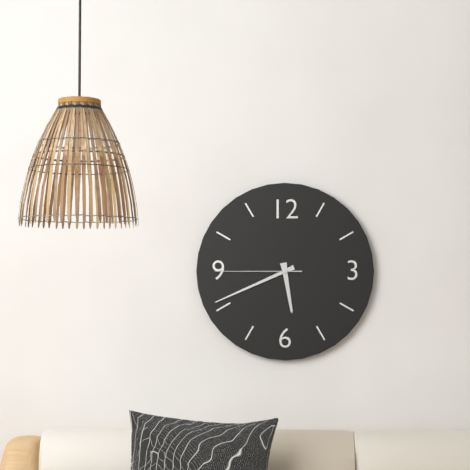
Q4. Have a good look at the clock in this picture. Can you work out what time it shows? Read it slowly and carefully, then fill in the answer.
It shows 5:41:45
